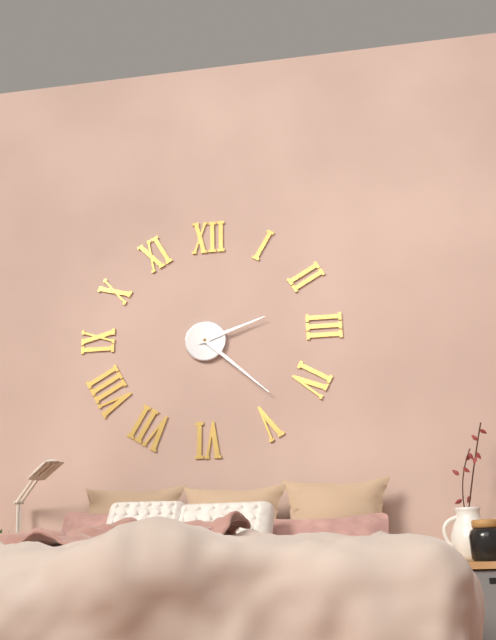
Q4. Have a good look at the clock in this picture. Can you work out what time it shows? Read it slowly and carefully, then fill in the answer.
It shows 2:22
